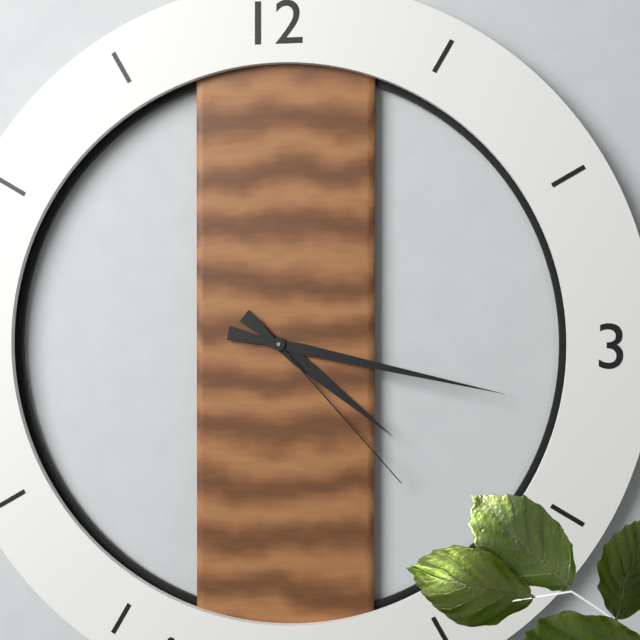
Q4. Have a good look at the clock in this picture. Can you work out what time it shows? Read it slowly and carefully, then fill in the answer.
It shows 4:17:23
